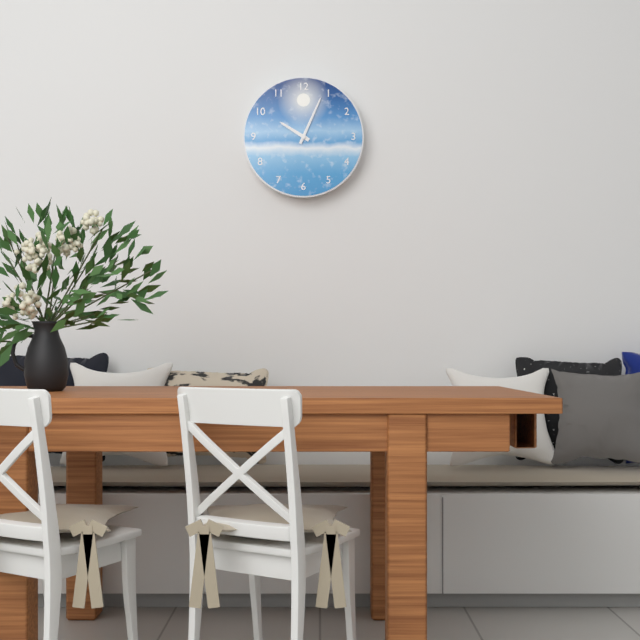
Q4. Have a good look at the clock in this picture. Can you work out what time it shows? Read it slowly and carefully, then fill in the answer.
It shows 10:04
